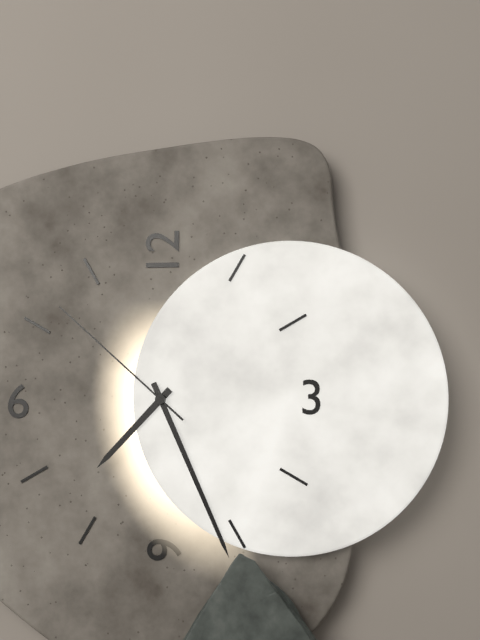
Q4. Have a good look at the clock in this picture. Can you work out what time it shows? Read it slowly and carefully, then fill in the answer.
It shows 7:26:52
